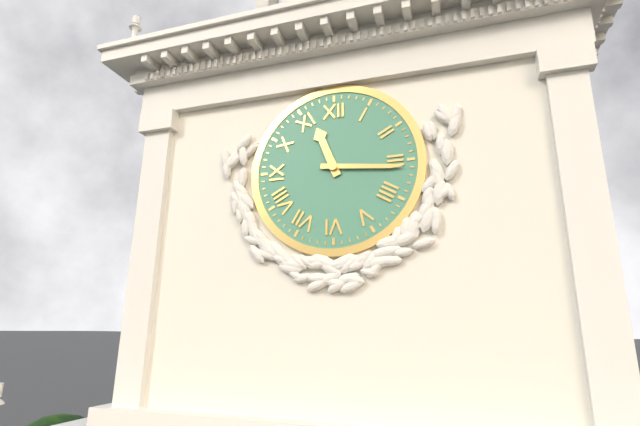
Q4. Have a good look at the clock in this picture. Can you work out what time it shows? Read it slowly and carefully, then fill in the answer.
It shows 11:16
